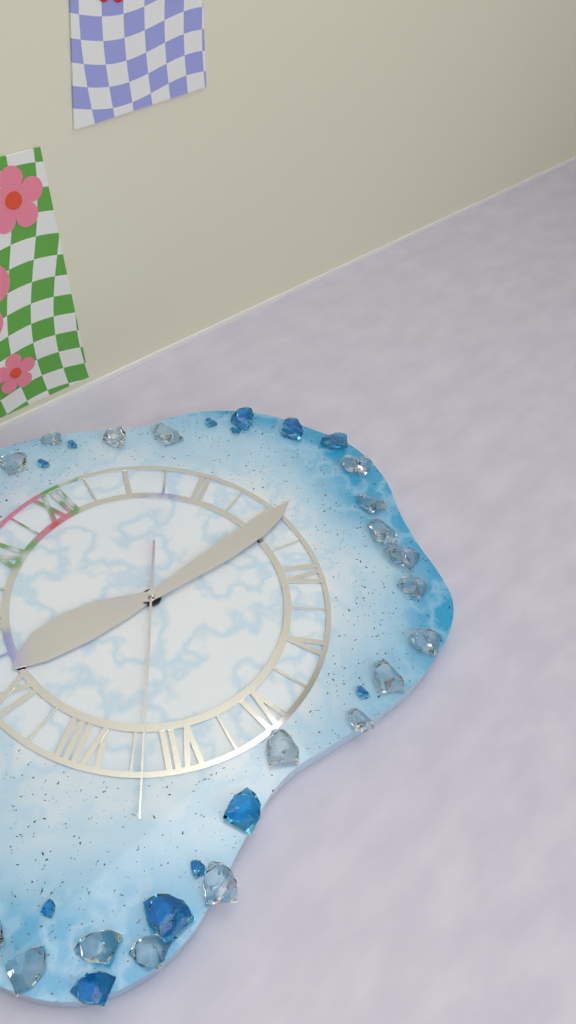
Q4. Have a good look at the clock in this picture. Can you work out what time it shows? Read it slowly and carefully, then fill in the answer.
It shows 9:15:37
